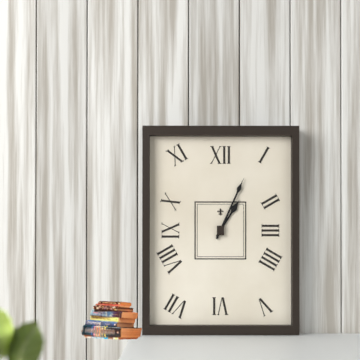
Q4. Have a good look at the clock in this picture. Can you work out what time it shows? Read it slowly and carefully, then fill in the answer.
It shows 1:04
